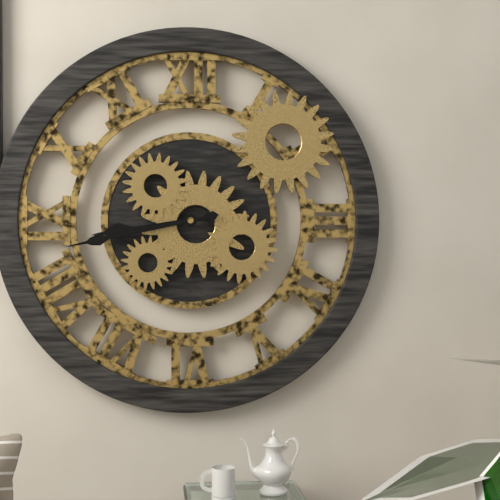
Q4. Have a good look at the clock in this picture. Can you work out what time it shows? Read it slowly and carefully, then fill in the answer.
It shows 8:43
